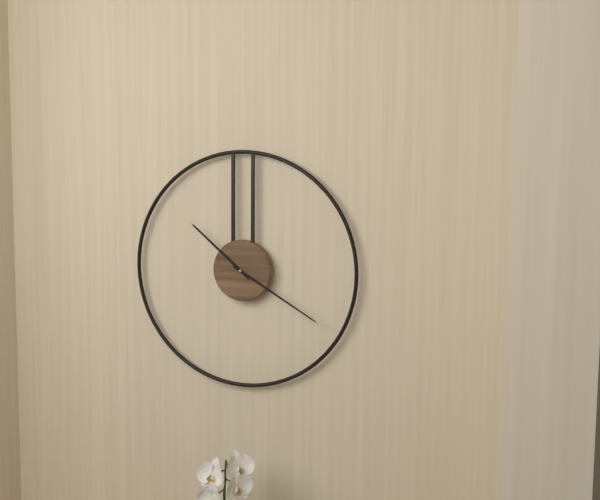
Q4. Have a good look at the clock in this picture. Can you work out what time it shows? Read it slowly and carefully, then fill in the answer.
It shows 10:20
